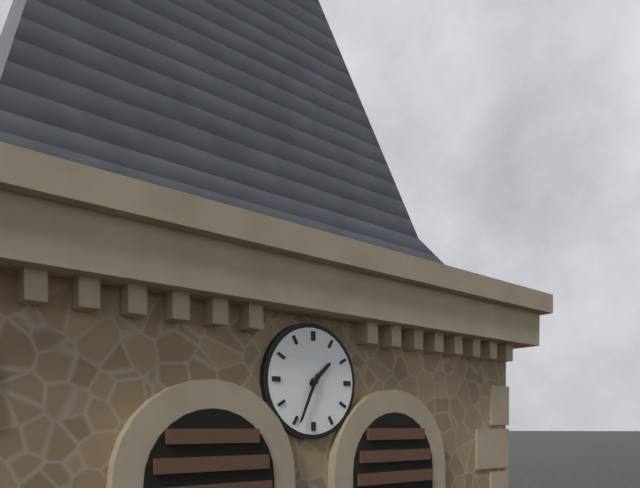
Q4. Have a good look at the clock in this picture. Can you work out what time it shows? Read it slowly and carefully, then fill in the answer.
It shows 1:34
